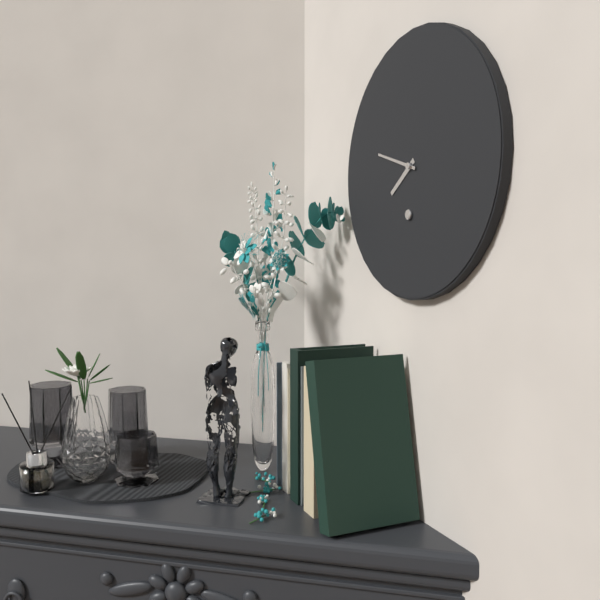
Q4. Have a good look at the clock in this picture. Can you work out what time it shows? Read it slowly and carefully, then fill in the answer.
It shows 7:48
